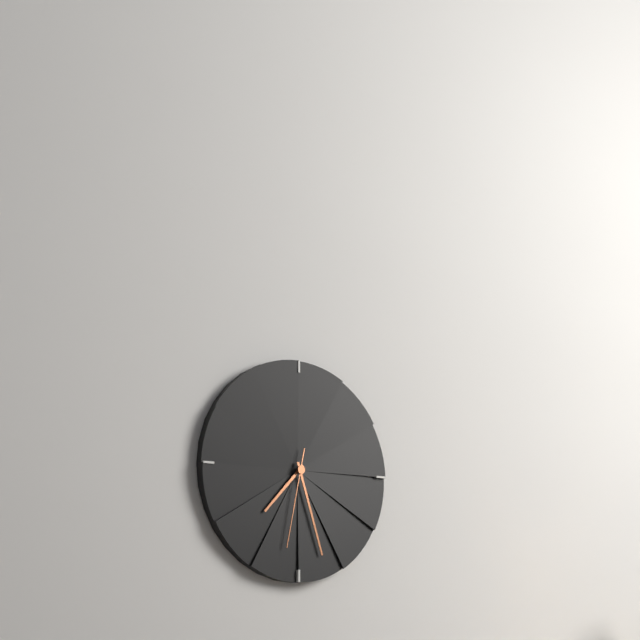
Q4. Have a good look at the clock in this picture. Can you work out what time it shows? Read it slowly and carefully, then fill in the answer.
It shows 7:27:32
